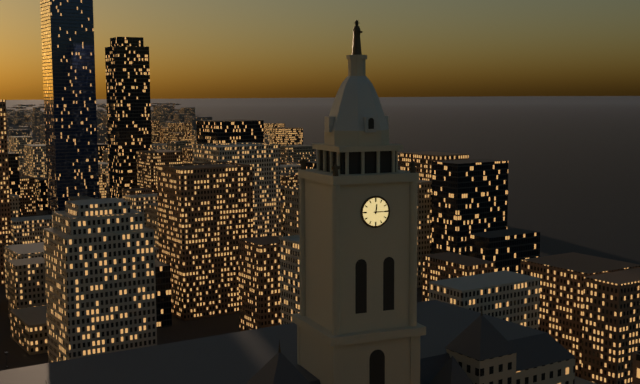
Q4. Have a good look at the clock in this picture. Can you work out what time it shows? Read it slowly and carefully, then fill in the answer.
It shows 12:15
